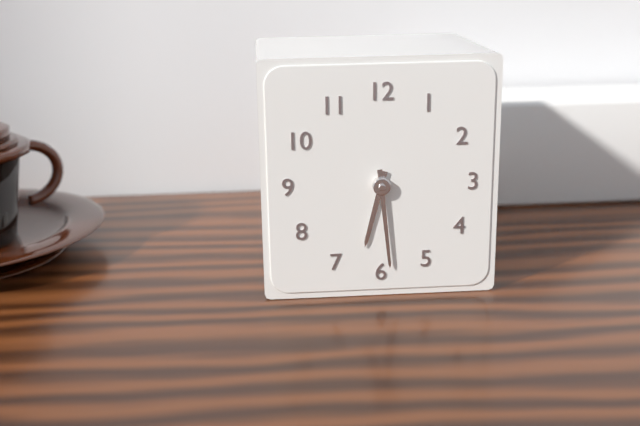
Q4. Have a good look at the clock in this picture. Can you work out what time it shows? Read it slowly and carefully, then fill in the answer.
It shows 6:29
